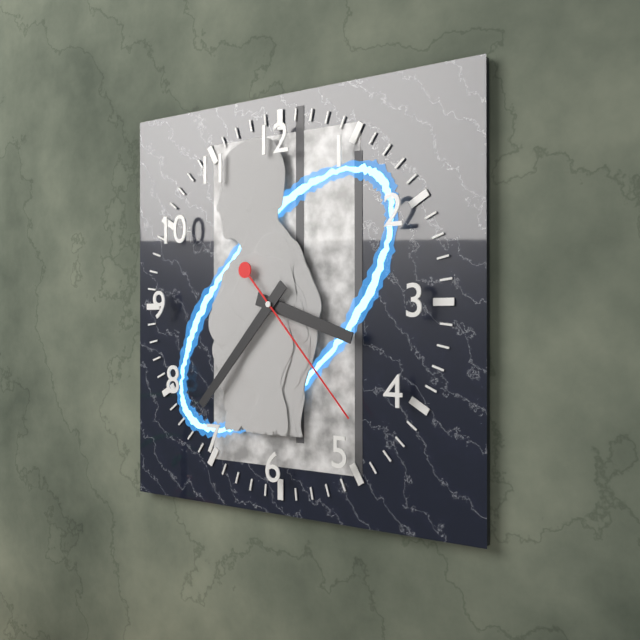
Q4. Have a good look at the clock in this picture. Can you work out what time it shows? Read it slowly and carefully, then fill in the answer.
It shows 3:37:23
